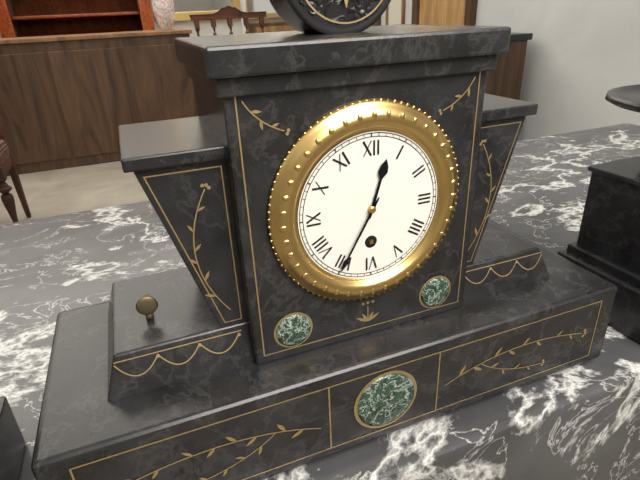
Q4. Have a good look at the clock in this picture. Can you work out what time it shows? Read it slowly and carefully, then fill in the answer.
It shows 12:35
